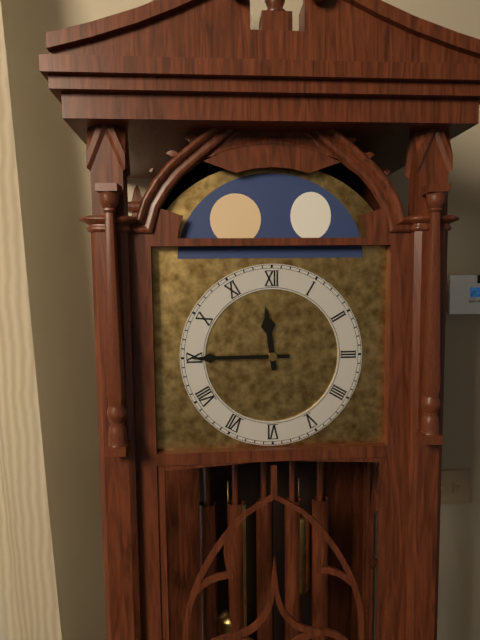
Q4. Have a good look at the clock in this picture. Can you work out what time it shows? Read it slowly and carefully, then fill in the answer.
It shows 11:45
